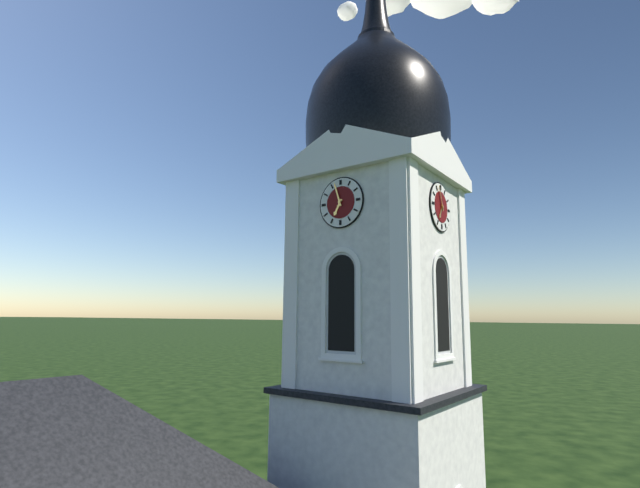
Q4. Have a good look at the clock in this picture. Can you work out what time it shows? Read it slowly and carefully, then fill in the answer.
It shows 6:57
